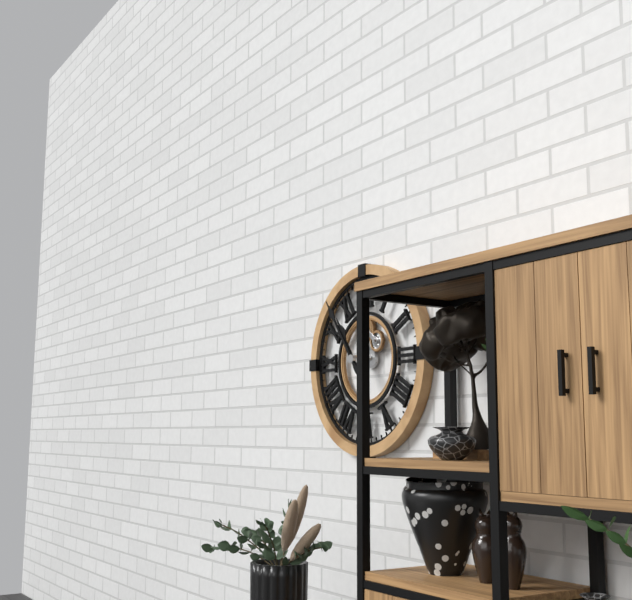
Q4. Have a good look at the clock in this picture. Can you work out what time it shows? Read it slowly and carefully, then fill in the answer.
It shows 10:54
